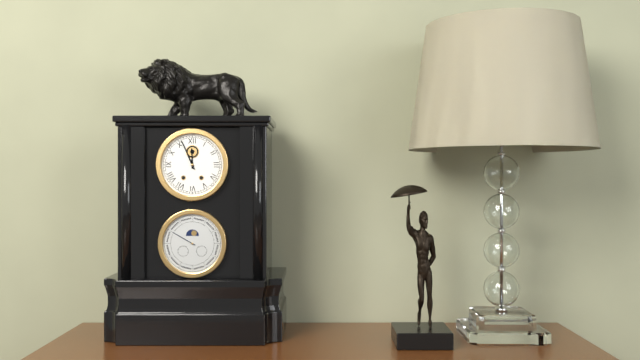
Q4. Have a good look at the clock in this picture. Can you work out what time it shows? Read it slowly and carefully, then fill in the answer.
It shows 11:56
